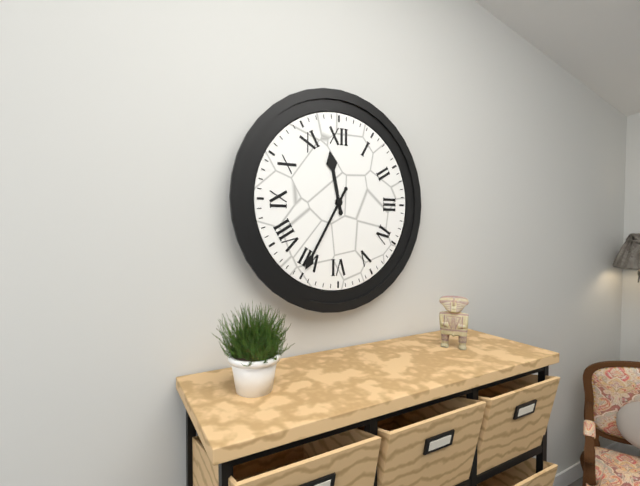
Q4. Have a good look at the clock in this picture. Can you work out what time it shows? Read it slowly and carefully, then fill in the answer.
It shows 11:35
